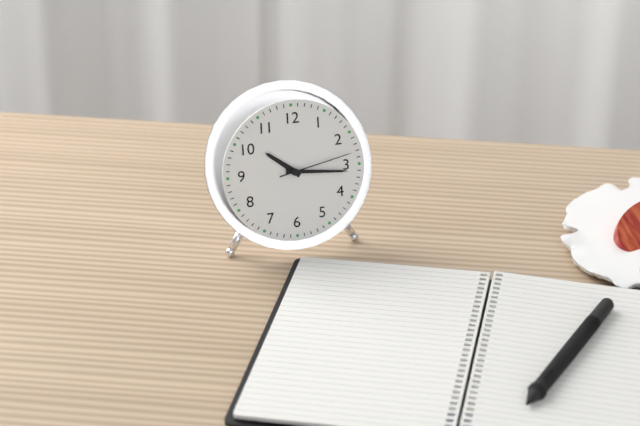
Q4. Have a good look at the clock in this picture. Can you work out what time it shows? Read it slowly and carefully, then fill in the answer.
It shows 10:16:13
